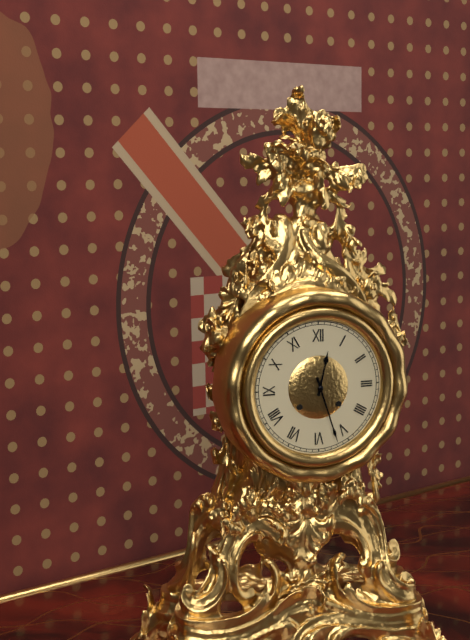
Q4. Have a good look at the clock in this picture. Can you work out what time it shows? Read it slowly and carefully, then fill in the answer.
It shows 12:27
